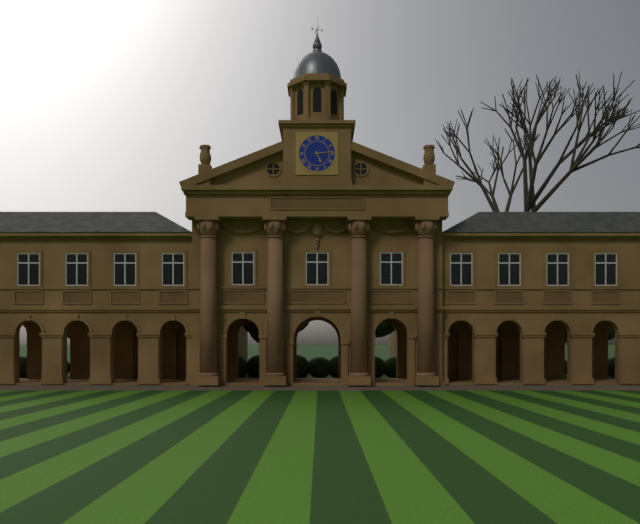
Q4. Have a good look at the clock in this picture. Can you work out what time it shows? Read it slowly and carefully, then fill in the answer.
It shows 5:14
